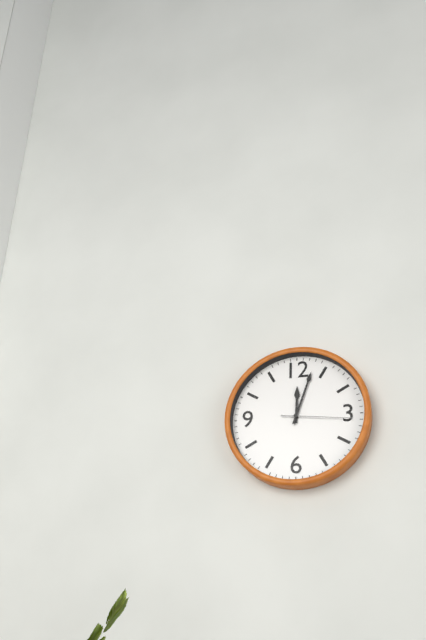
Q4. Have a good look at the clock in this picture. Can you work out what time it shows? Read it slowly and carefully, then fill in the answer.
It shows 12:03:16
